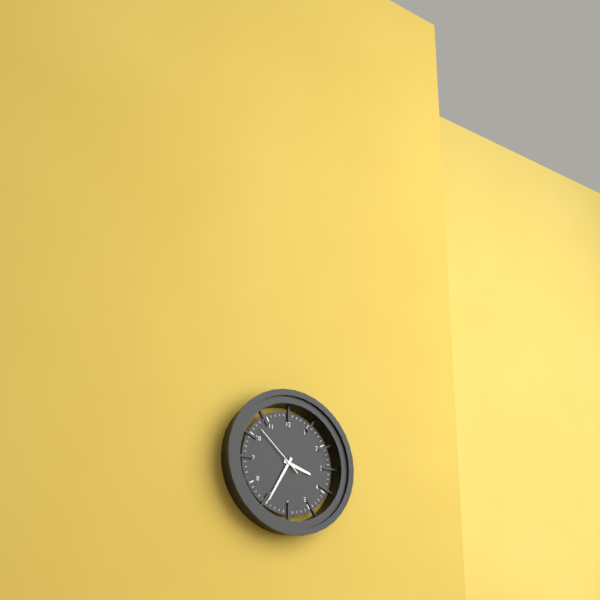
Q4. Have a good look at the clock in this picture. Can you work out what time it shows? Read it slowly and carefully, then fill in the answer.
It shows 3:35:52
